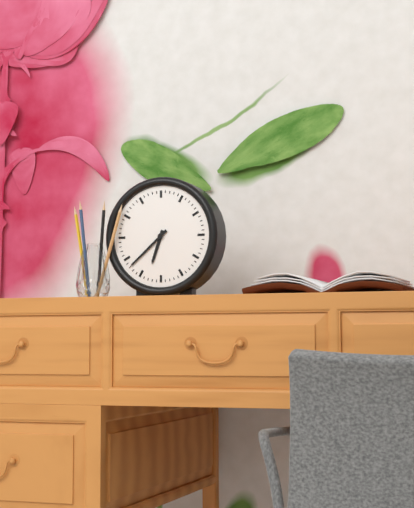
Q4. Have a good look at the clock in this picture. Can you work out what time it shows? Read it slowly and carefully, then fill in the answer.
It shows 6:38
